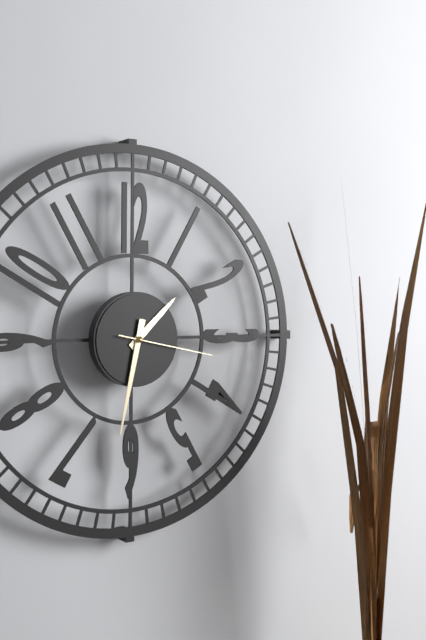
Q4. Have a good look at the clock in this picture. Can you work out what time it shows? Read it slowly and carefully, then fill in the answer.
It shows 1:32:17
